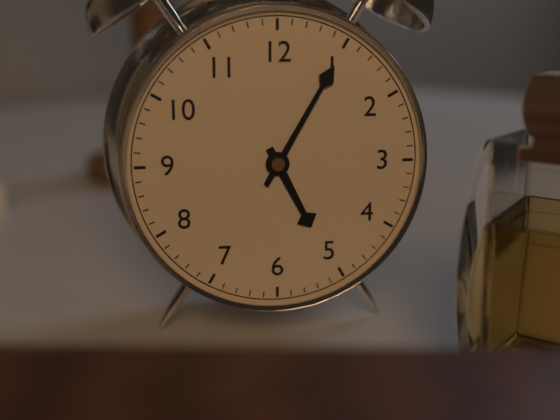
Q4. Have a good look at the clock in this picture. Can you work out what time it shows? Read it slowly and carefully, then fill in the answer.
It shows 5:05
